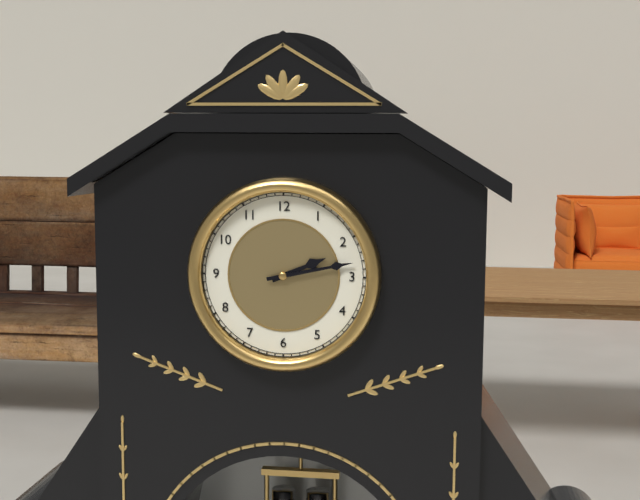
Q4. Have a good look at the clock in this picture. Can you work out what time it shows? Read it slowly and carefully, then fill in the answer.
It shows 2:13
